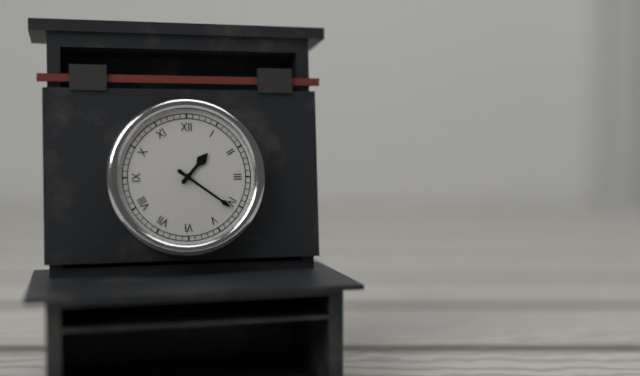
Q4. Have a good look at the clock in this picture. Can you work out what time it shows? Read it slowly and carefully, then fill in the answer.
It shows 1:21
